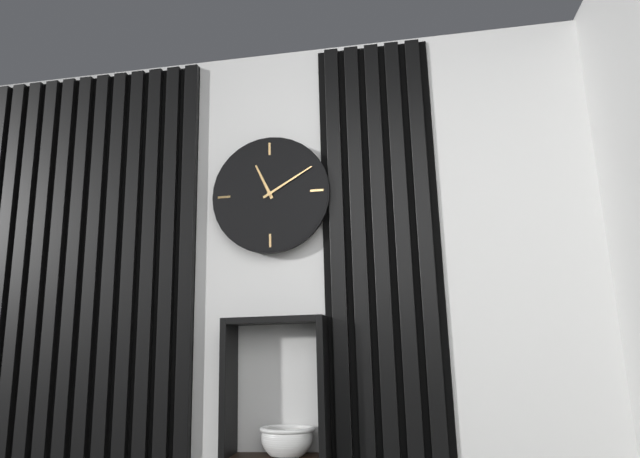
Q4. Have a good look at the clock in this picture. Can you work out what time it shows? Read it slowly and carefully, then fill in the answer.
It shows 11:10
